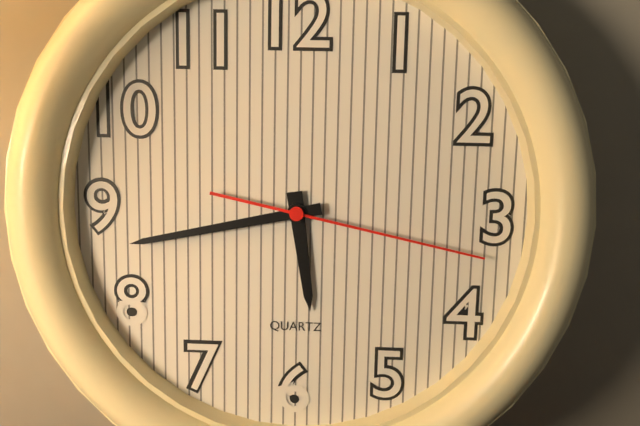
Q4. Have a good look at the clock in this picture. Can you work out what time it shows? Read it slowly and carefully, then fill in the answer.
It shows 5:43:17
